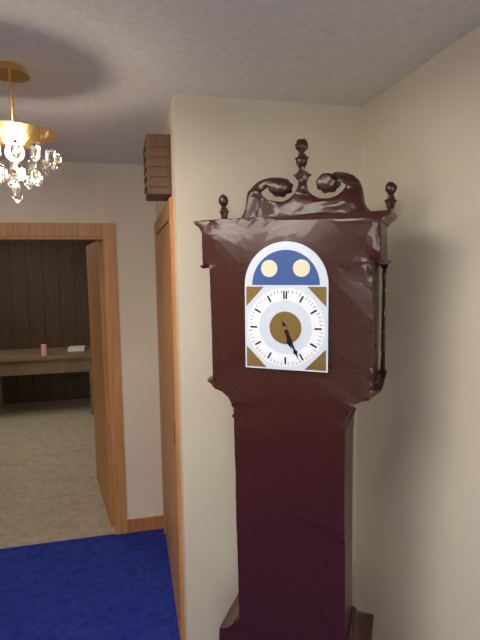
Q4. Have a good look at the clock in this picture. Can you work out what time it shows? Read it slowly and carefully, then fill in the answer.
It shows 5:26
